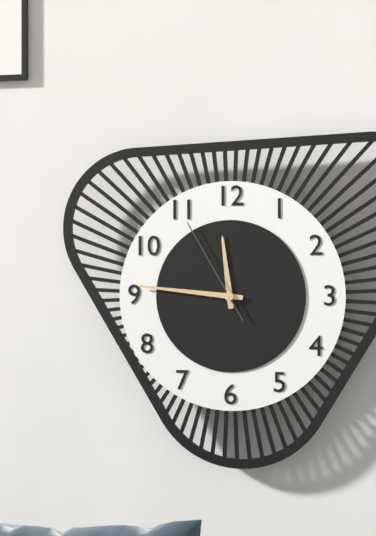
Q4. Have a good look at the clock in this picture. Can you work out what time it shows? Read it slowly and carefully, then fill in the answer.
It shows 11:46:55
